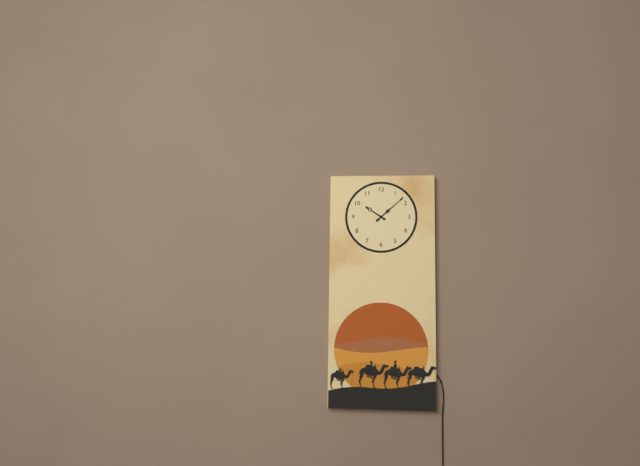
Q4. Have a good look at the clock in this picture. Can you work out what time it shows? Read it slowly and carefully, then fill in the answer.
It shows 10:08
